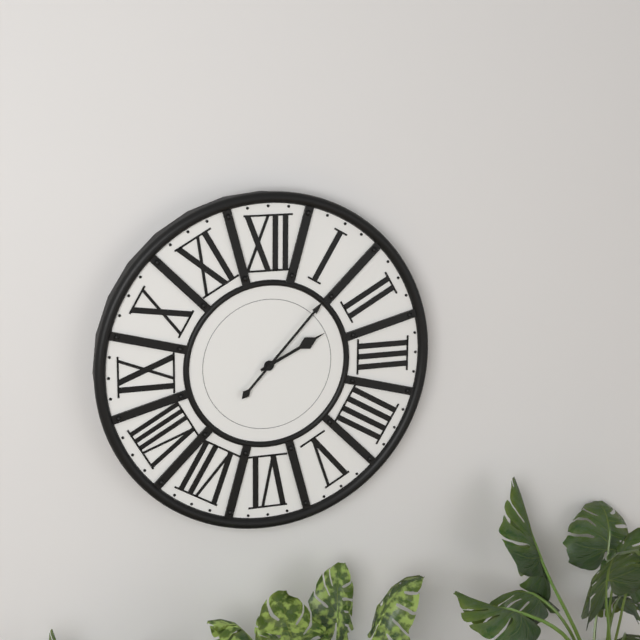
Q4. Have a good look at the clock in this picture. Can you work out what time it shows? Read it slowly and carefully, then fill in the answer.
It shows 2:07
